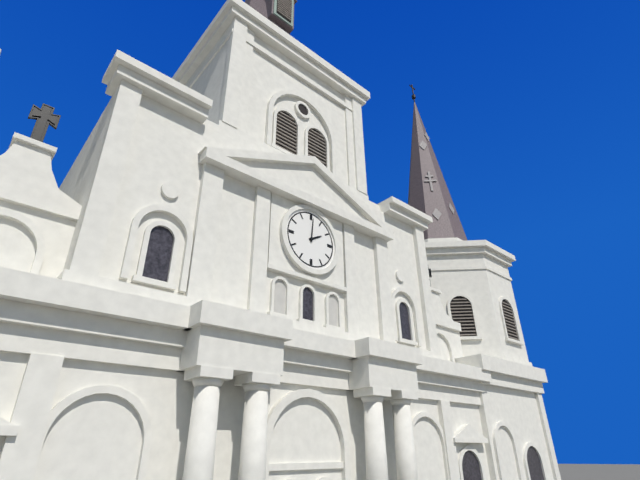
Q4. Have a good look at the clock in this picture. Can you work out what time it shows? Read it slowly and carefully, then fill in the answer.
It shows 2:01
